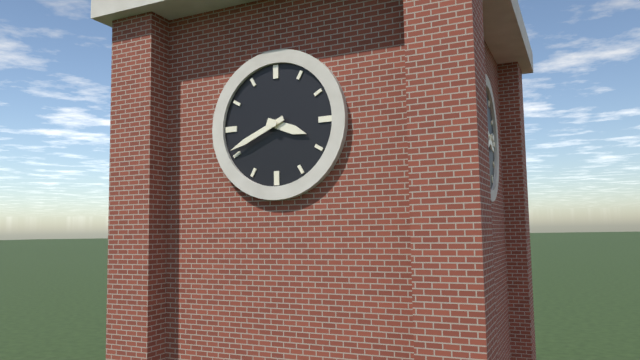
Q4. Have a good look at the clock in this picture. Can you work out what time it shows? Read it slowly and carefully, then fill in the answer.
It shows 3:41
